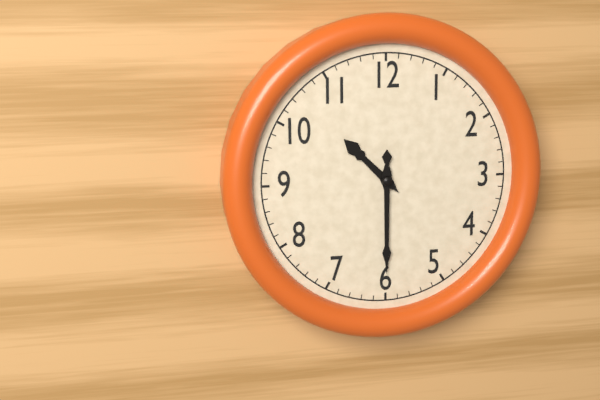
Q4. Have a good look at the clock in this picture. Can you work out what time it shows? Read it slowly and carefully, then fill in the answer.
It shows 10:30
